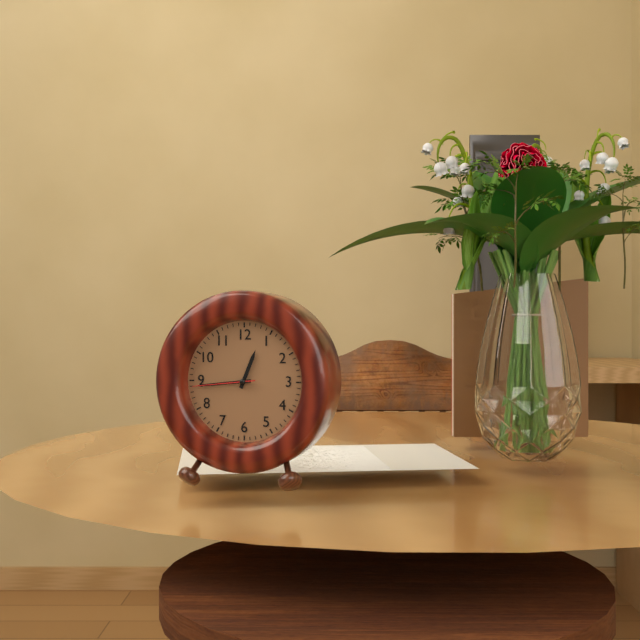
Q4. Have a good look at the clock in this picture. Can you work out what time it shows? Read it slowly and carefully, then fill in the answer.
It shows 12:44:44
